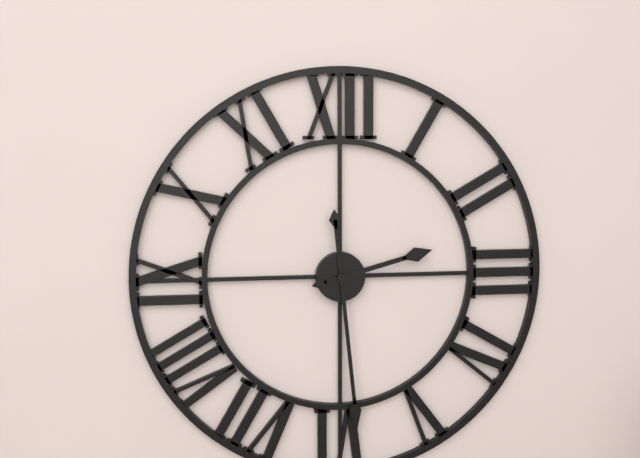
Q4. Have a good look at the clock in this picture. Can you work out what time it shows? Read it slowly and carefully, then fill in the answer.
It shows 2:29
